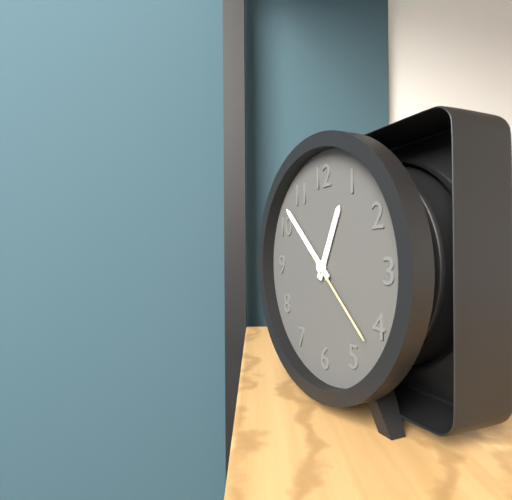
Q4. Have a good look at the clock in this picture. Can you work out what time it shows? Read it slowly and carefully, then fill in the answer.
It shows 12:52:22
